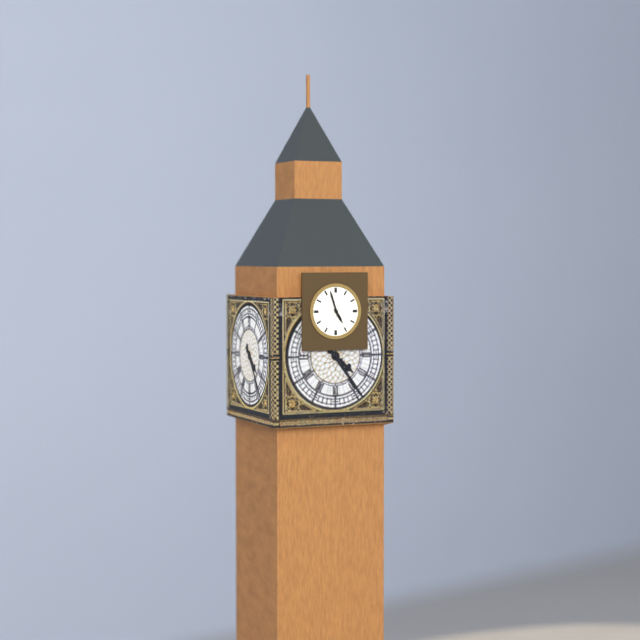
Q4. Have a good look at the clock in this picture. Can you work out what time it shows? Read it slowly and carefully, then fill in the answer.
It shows 4:57
